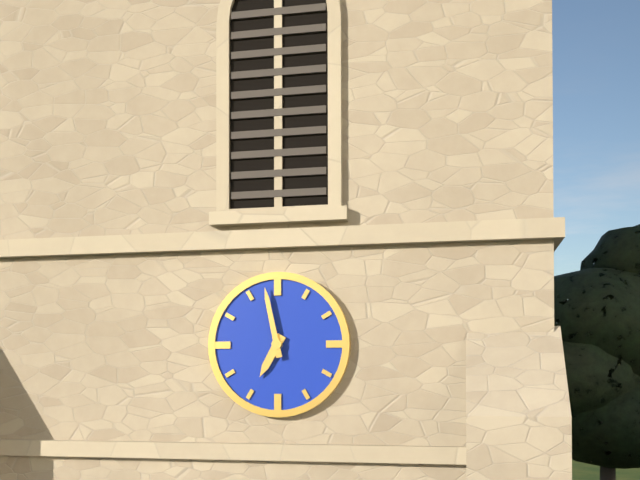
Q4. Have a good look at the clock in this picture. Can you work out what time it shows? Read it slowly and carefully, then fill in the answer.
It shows 6:58
